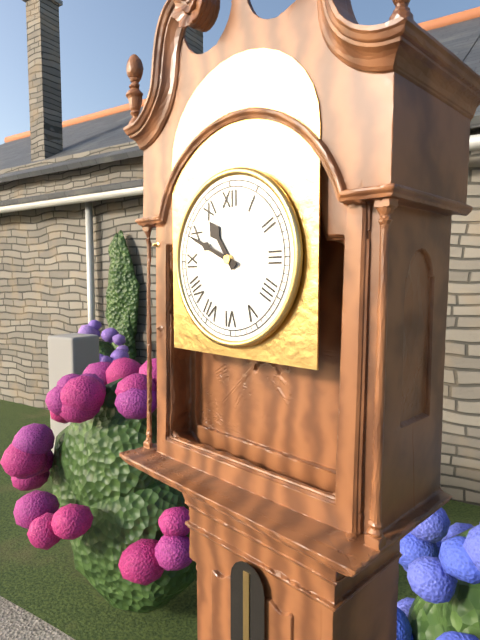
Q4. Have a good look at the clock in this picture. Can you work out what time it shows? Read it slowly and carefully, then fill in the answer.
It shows 10:49
